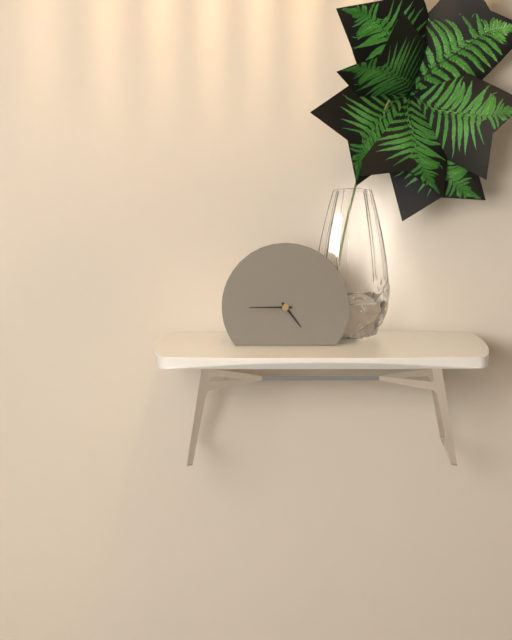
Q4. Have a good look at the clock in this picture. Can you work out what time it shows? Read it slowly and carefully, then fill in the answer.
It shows 4:45
